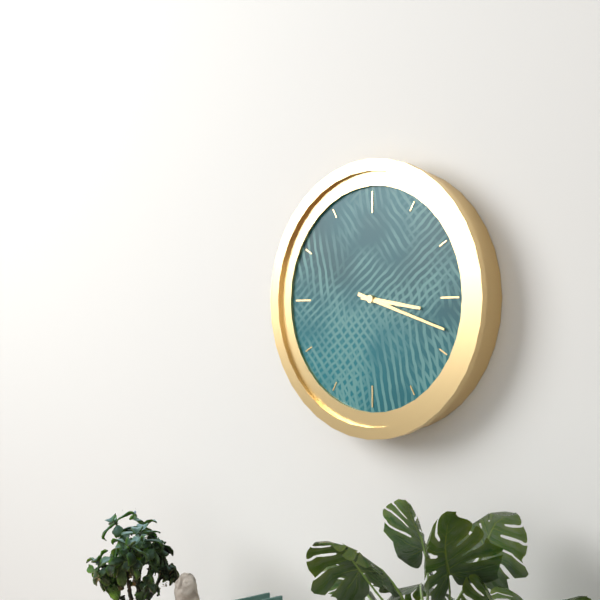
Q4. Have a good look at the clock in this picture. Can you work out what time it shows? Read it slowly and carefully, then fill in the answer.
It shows 3:18
